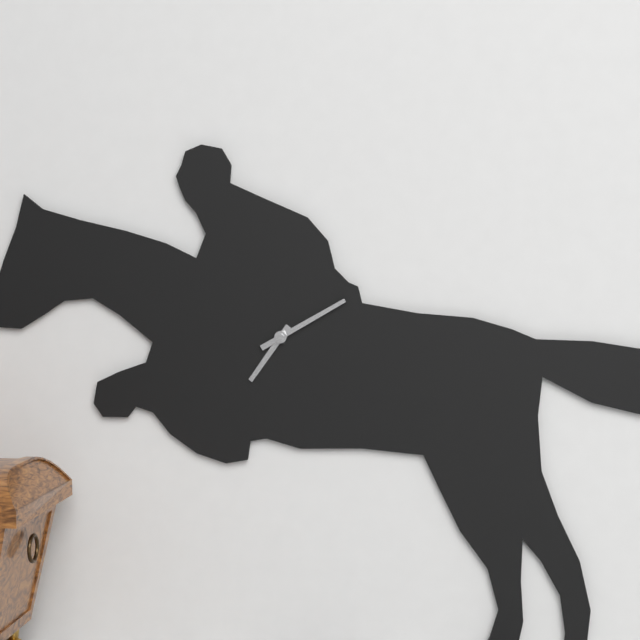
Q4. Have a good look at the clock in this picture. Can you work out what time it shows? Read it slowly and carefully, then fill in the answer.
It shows 7:10
